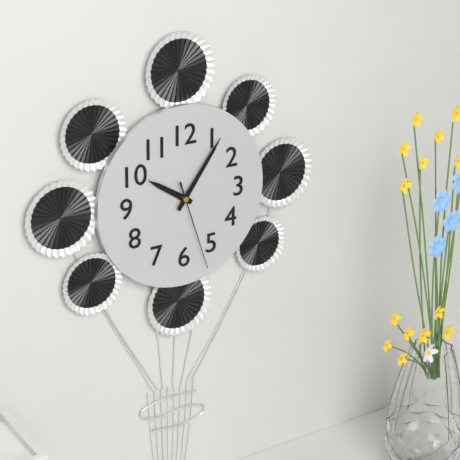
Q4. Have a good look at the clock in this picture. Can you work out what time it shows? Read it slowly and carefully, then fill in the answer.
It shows 10:06:27
